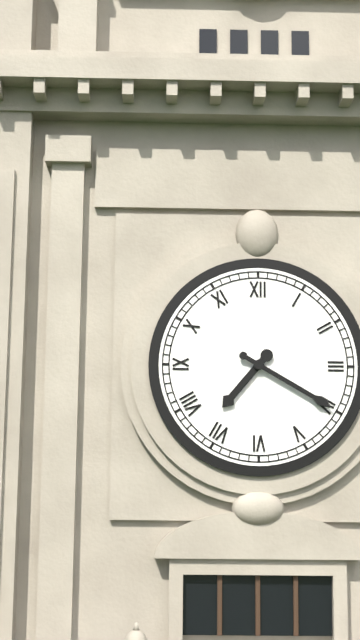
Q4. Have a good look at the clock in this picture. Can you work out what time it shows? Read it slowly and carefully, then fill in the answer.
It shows 7:20
